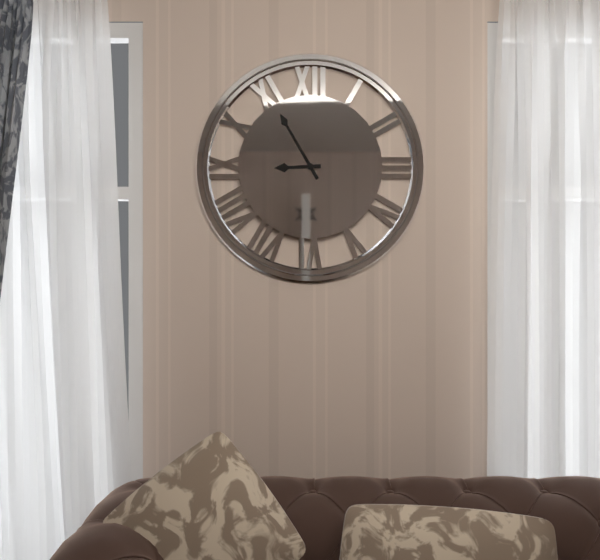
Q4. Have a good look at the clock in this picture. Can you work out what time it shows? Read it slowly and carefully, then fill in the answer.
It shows 8:55
